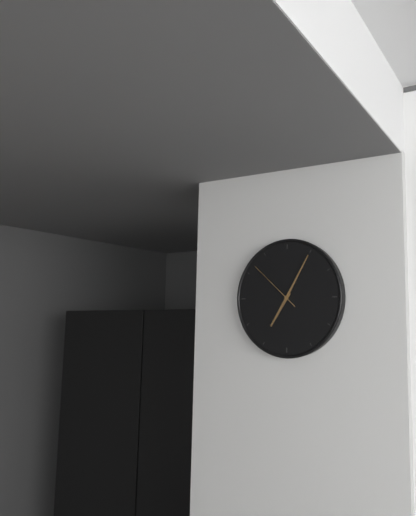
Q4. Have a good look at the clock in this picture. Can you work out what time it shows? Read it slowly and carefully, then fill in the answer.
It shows 7:05:52
